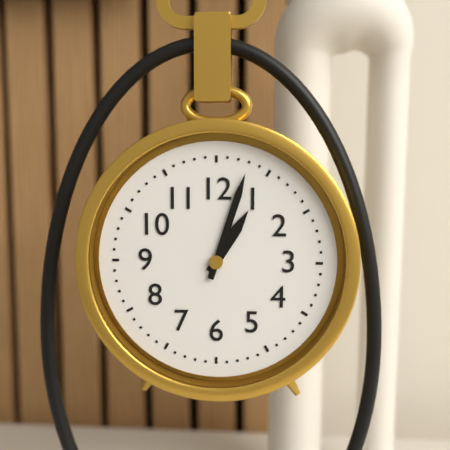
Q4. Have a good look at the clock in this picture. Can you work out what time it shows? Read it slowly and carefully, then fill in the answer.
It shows 1:03
